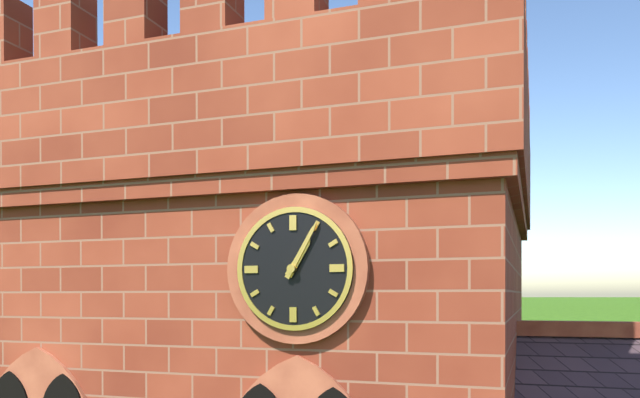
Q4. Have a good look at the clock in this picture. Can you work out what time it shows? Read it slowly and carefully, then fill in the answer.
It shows 1:05
